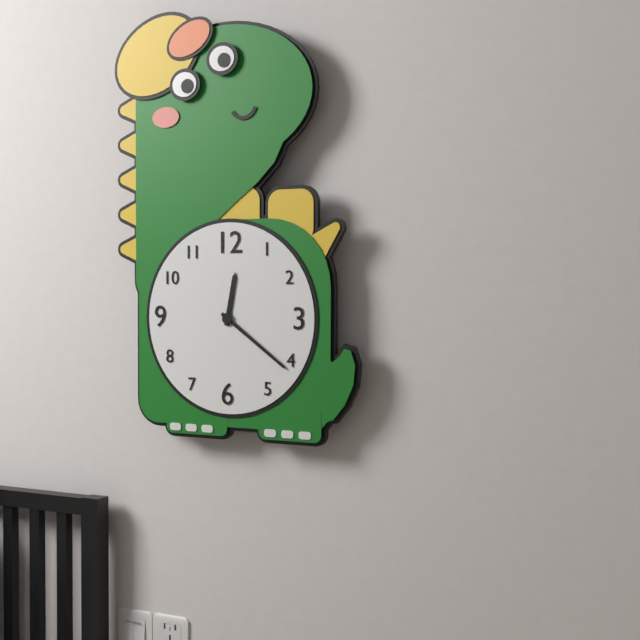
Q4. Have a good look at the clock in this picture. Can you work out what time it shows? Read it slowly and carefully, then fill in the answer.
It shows 12:21
